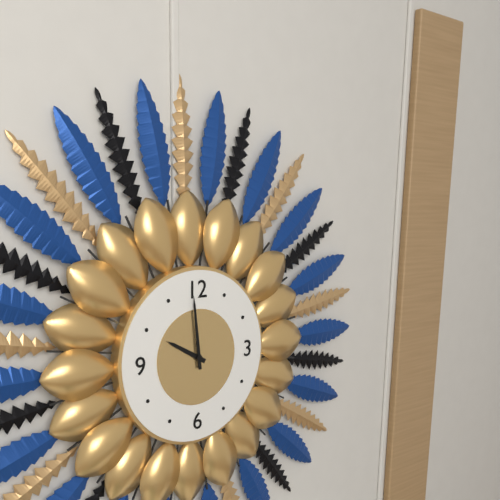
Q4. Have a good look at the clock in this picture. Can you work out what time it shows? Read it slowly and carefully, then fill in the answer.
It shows 9:59
